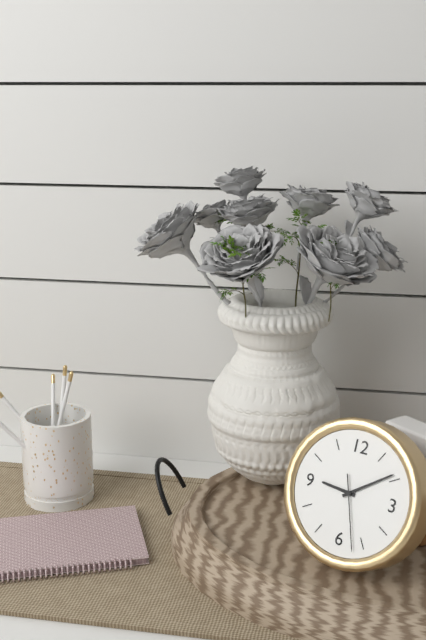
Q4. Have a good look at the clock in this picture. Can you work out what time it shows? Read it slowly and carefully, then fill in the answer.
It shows 9:09:27
